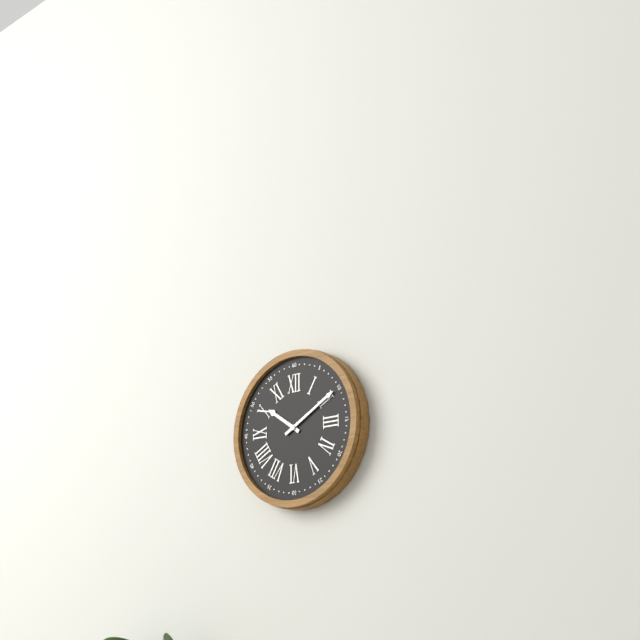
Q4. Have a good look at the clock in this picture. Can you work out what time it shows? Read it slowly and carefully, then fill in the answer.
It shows 10:10
